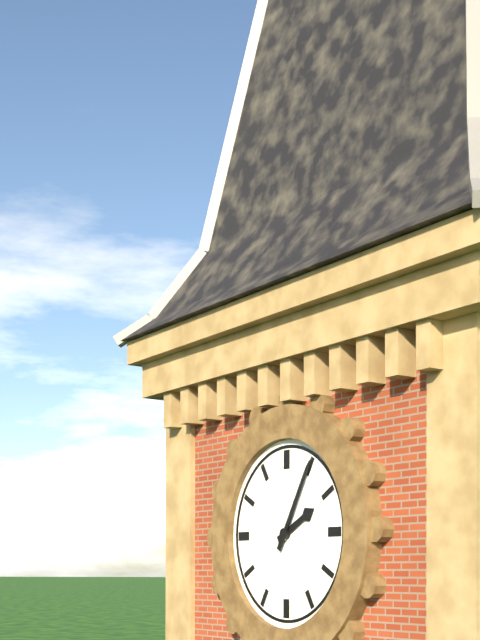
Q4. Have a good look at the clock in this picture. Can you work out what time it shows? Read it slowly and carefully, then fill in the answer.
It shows 2:05
